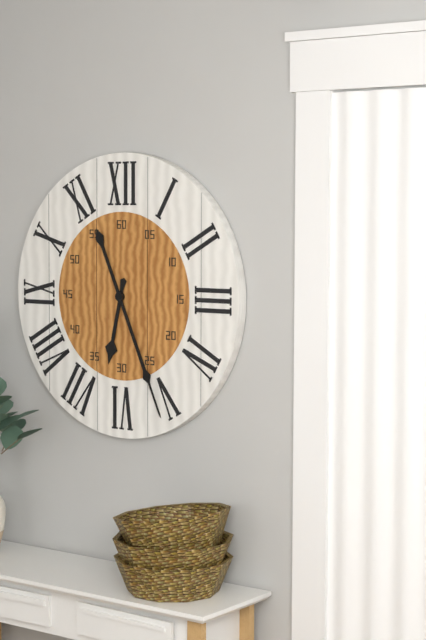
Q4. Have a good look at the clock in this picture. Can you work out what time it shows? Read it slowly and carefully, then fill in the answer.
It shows 6:26
